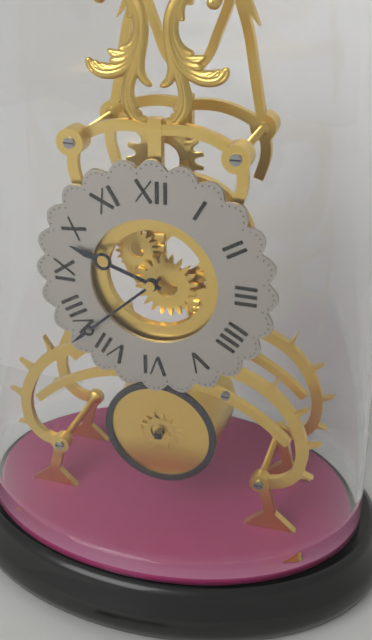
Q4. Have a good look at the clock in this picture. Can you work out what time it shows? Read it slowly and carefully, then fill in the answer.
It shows 9:38
